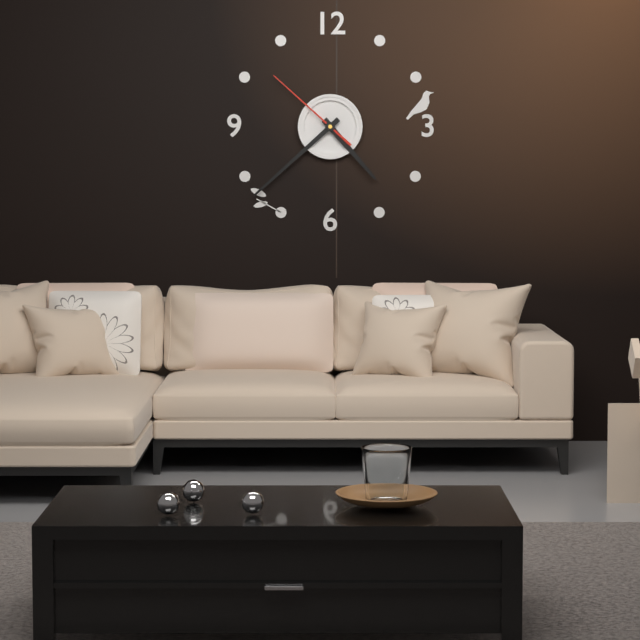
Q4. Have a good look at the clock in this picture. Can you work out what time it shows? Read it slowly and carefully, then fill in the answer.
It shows 4:38:52
